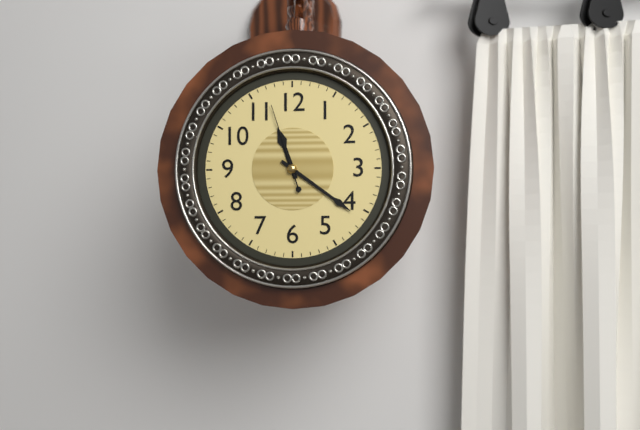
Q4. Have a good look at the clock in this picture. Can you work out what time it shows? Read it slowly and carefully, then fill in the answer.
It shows 11:21:57
